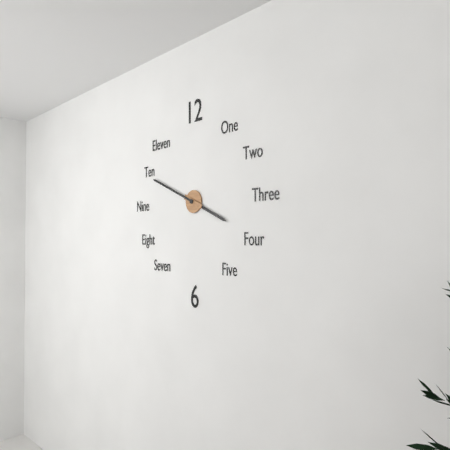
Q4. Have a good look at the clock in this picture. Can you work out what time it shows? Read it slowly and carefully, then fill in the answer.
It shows 3:49
